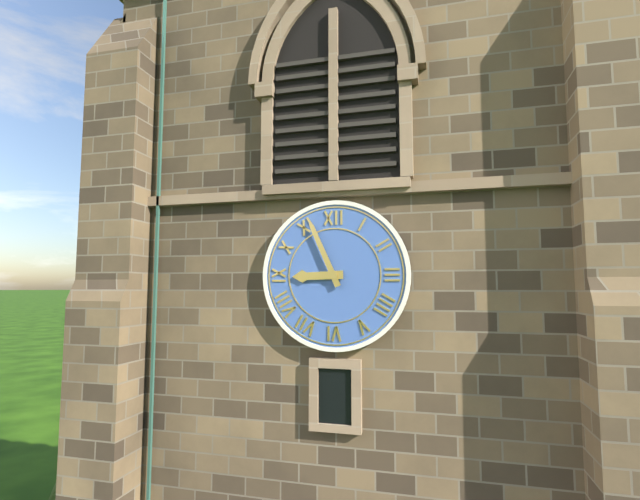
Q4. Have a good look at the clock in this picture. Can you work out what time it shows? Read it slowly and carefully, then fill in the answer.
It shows 8:56
